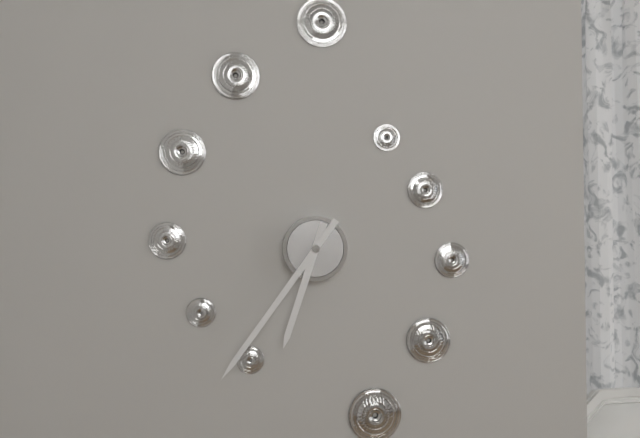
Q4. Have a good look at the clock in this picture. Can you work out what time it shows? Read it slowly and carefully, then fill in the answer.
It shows 6:36
